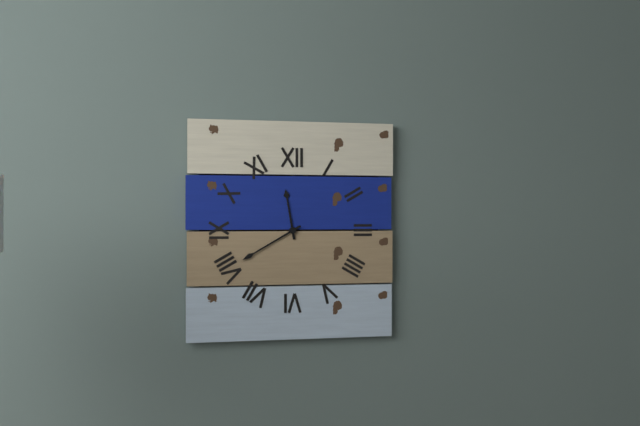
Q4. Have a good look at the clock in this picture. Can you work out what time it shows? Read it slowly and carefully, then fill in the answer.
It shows 11:40
